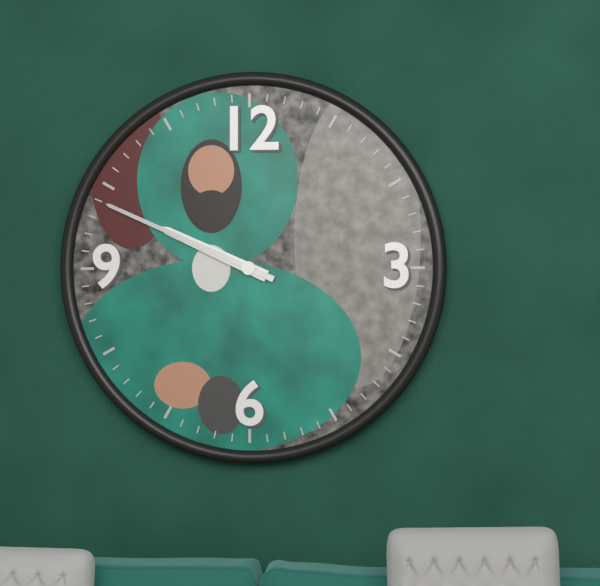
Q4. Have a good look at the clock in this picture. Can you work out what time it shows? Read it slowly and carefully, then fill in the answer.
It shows 9:49
